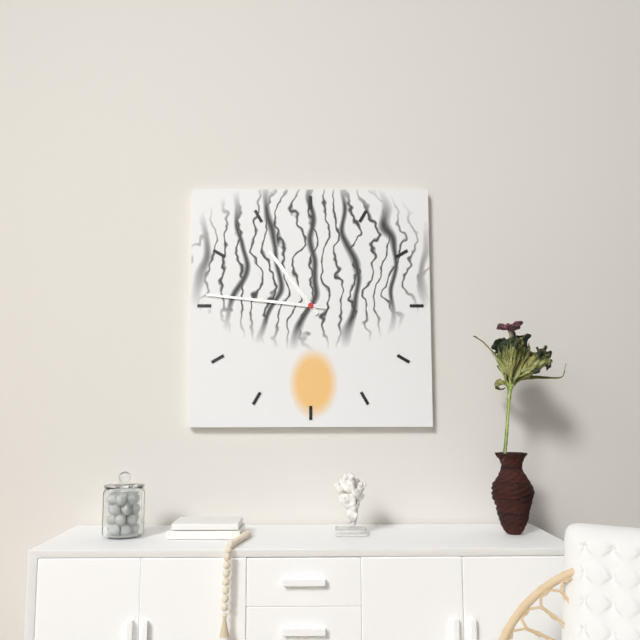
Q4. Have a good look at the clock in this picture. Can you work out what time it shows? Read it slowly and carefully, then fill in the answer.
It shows 10:46
